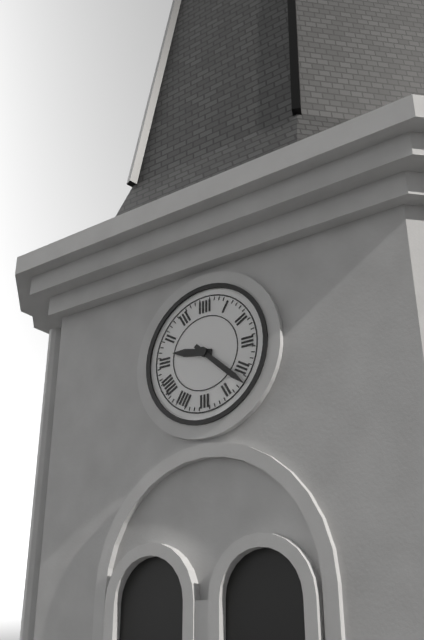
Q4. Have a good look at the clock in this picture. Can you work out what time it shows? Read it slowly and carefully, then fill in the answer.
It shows 9:22
